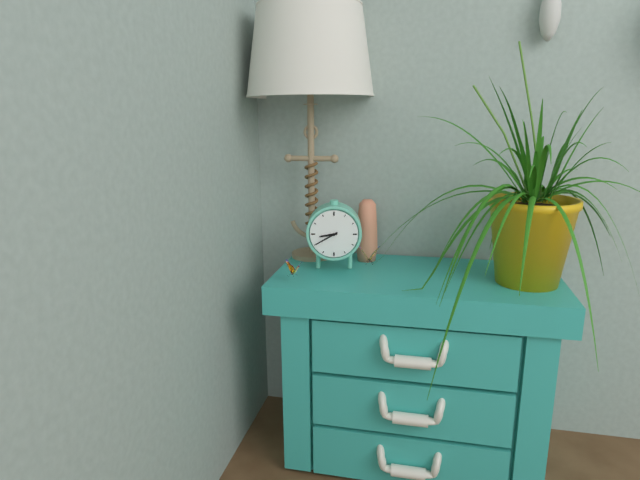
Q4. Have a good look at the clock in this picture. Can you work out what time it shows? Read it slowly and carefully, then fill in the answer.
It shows 8:40
